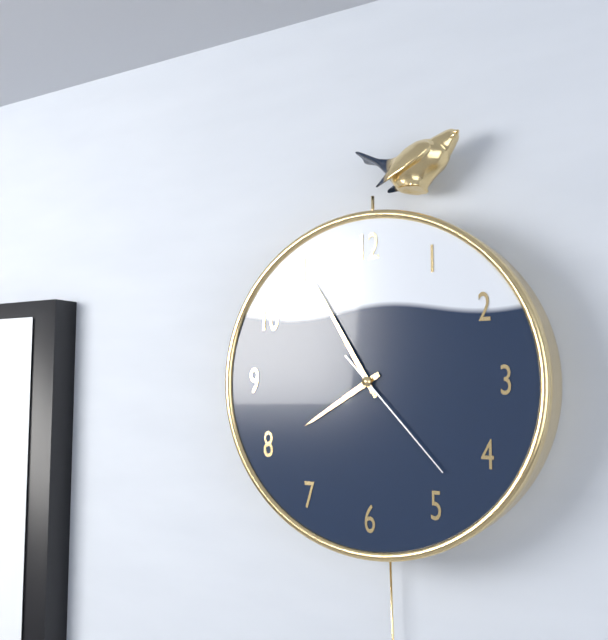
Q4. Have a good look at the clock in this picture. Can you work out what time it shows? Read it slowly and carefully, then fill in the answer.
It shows 7:55:23
